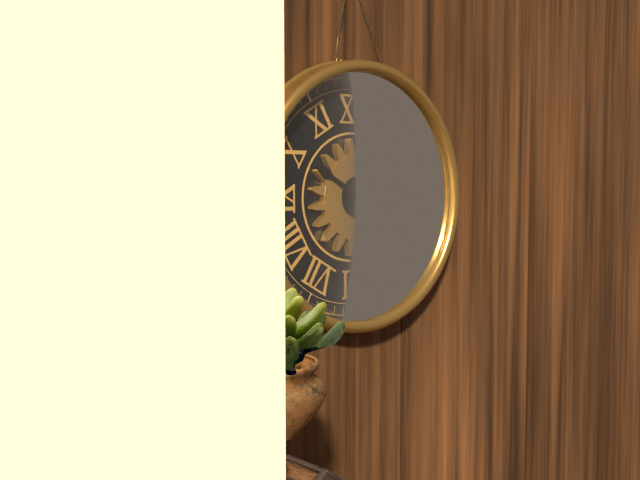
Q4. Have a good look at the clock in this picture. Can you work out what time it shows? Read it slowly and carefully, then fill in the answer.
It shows 10:00
